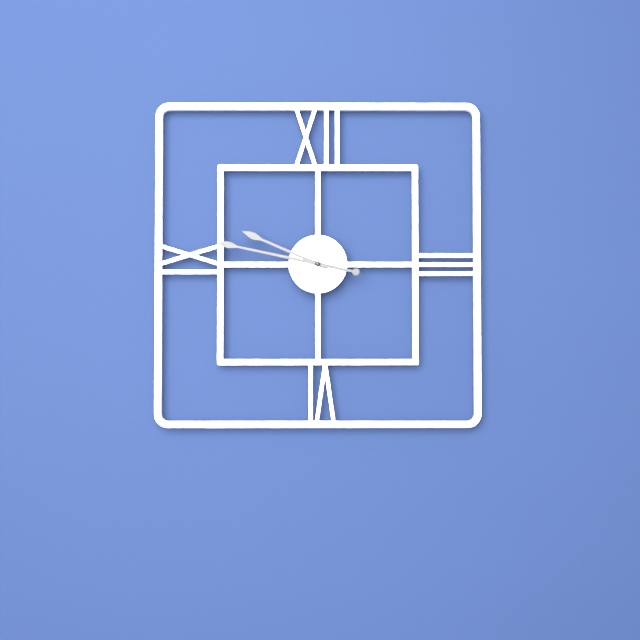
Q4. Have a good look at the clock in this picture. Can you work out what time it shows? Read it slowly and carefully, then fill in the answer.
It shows 9:47
